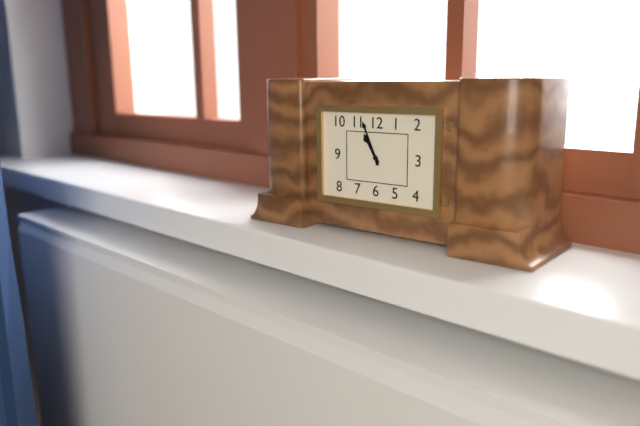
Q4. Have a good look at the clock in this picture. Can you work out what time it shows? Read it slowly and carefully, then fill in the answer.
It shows 10:56
